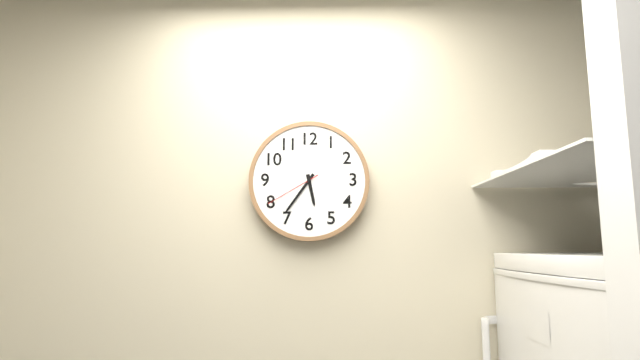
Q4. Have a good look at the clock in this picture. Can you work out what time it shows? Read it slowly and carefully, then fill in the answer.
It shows 5:36:40
